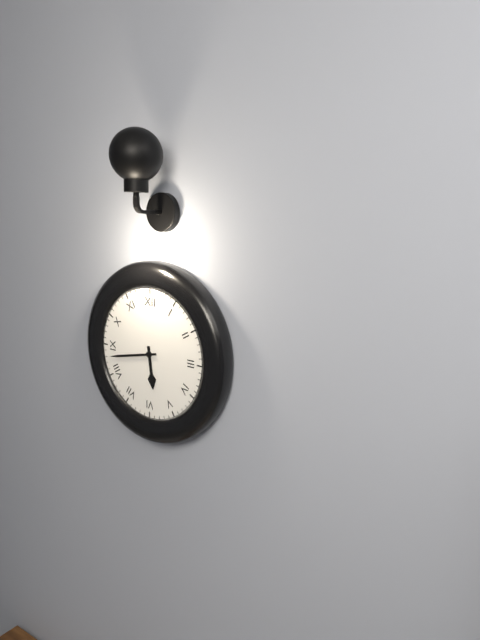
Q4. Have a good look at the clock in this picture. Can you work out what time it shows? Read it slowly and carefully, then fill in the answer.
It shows 5:43
